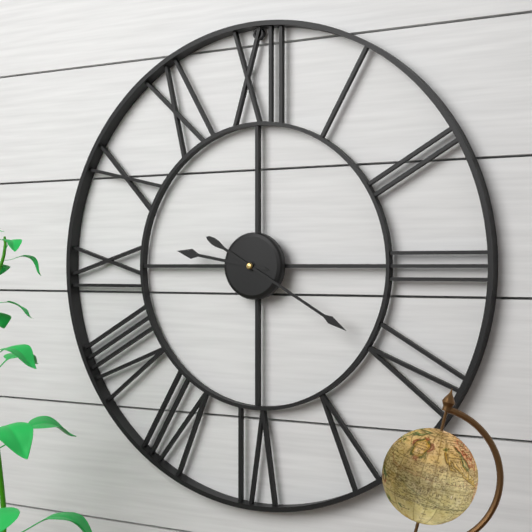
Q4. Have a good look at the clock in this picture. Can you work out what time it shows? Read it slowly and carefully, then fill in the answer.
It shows 9:20
